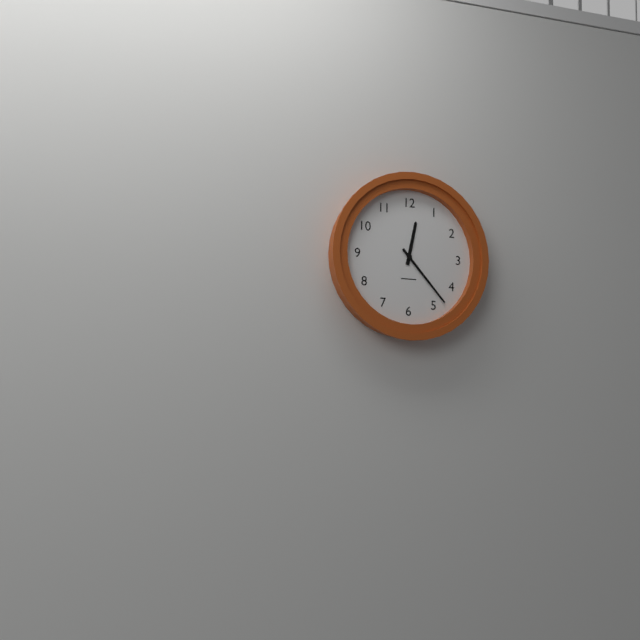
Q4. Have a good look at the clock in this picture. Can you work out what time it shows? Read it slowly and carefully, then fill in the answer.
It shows 12:23
